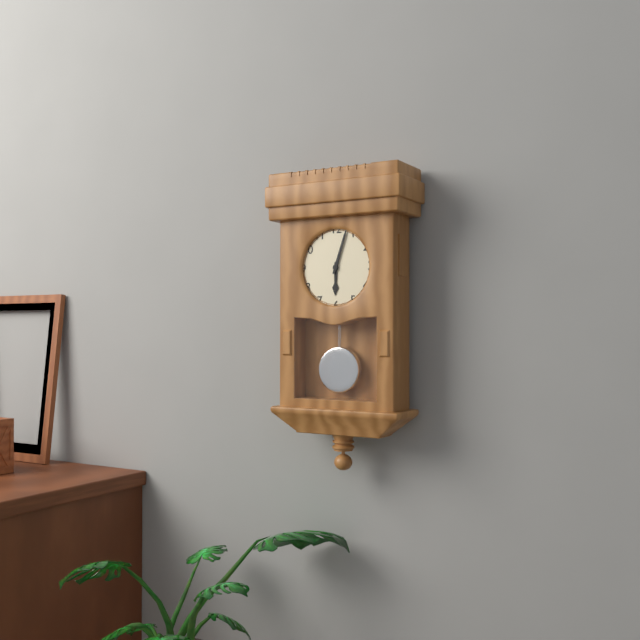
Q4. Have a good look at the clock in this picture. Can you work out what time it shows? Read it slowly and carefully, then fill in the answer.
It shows 6:03
